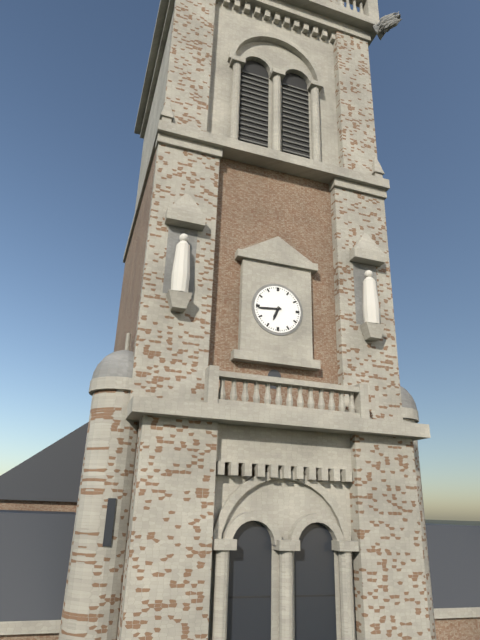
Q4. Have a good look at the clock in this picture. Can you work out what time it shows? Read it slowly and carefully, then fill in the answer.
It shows 6:44
